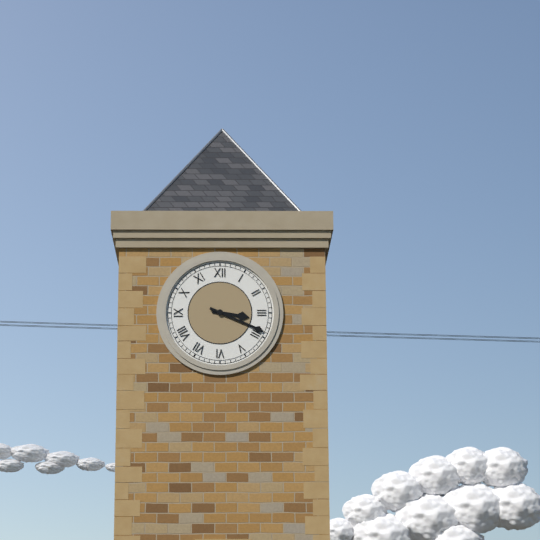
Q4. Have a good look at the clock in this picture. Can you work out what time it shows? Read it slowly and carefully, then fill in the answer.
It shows 3:19
